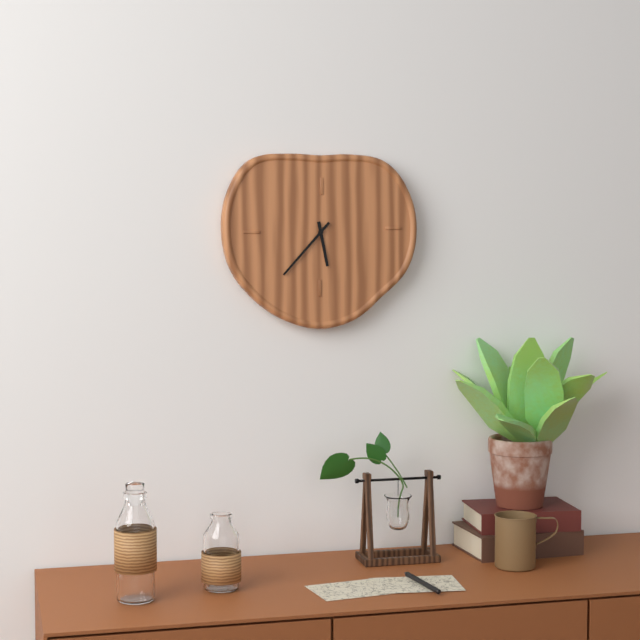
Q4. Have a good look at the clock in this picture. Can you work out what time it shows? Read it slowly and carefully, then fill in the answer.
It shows 5:37
